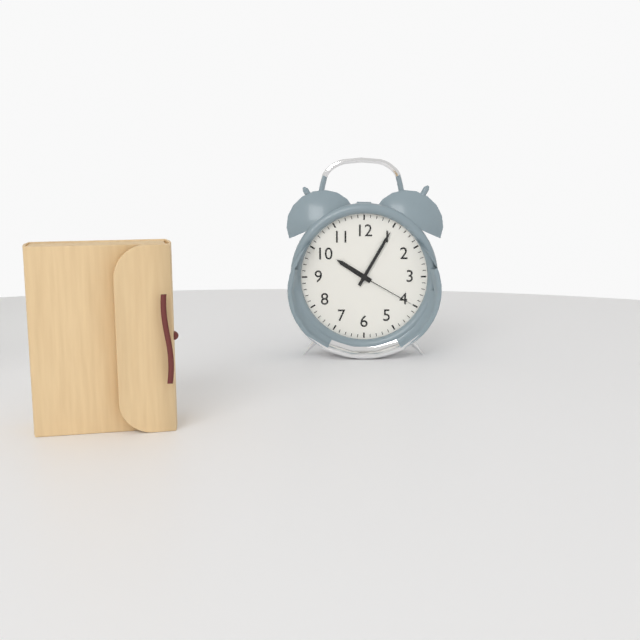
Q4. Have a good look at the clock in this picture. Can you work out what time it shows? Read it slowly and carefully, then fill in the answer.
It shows 10:05:20
